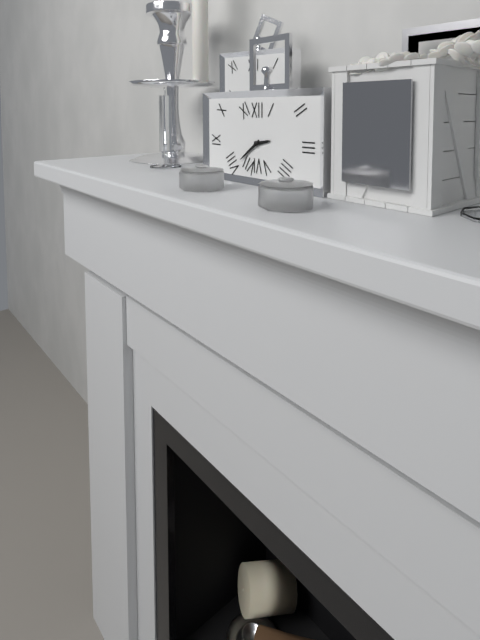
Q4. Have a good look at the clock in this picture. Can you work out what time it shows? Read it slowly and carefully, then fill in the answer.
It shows 2:39
